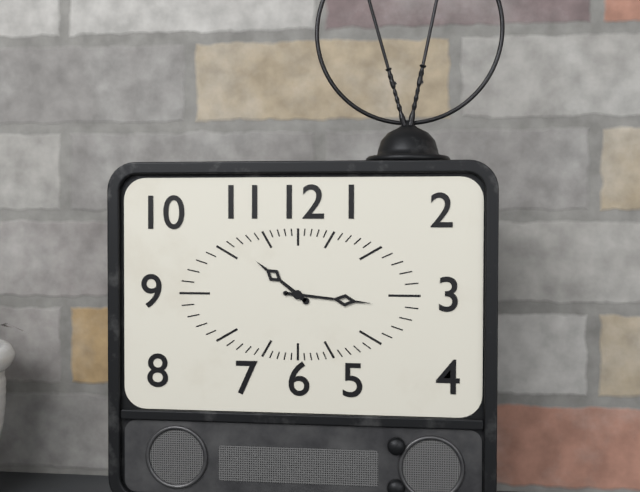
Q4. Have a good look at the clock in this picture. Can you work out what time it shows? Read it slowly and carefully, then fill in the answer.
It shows 10:16
